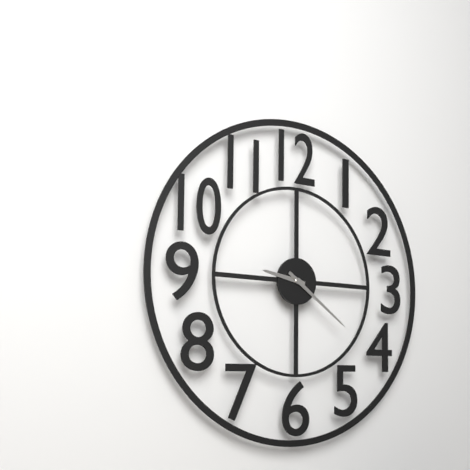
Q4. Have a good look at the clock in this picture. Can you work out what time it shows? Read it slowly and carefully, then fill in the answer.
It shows 9:21
